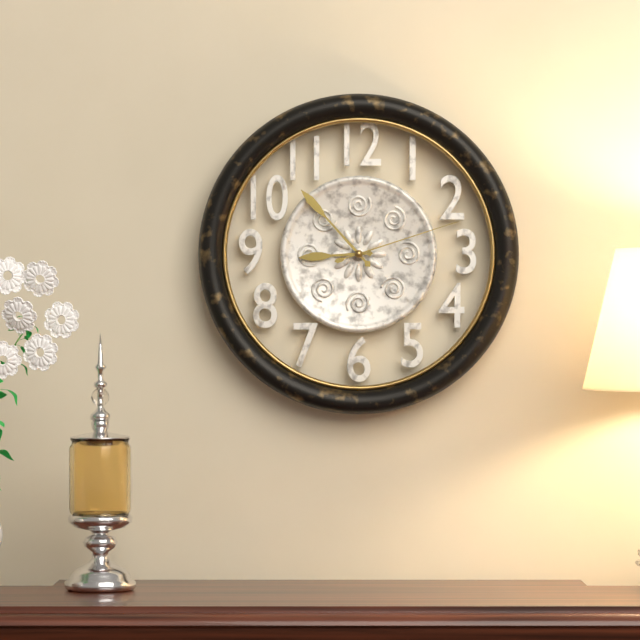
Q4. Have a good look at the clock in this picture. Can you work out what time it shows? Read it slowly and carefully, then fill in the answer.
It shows 8:53:12
